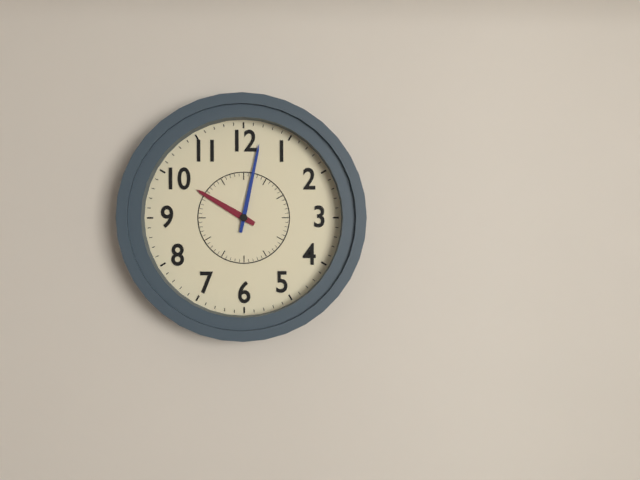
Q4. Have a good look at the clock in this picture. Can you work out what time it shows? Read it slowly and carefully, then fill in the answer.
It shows 10:02
